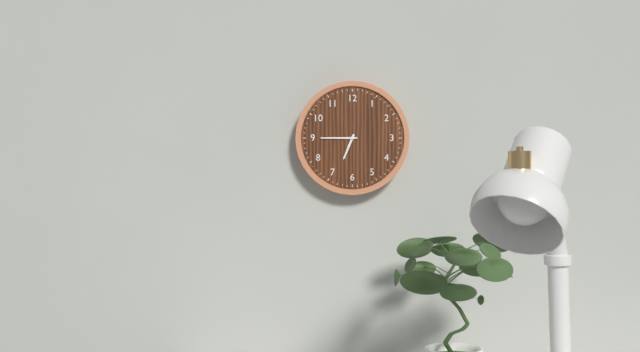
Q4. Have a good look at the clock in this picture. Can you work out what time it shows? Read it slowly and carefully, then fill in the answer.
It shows 6:45
